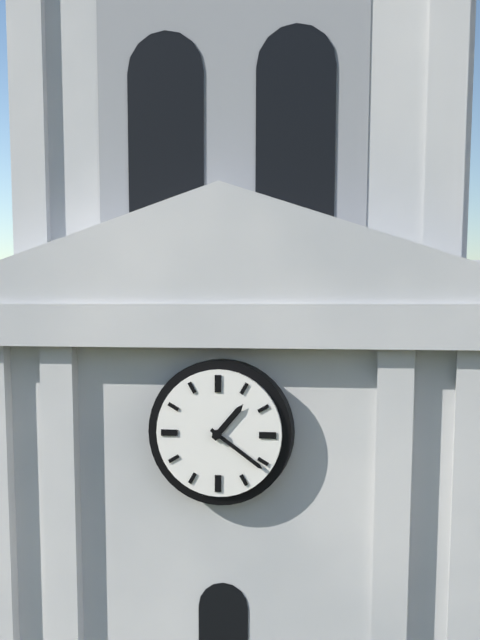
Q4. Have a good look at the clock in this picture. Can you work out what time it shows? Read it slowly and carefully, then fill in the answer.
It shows 1:21
